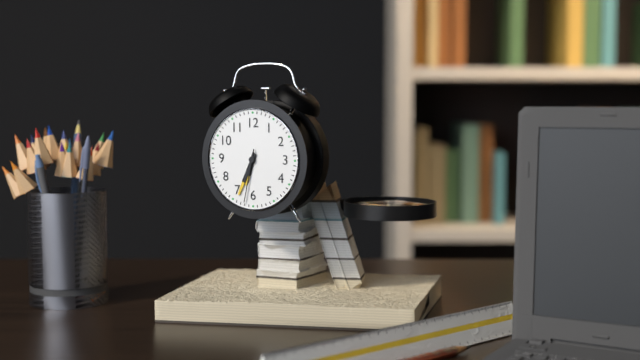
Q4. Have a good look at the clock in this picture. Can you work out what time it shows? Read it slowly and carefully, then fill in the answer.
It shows 6:34:32
